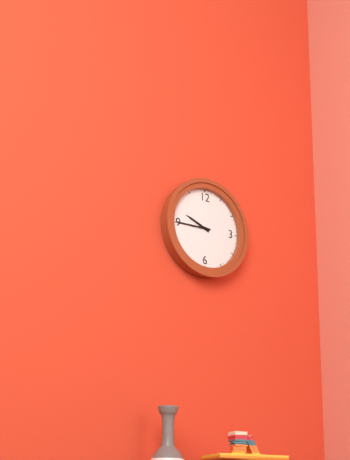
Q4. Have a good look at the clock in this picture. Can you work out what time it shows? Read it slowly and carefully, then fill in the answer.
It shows 9:45
